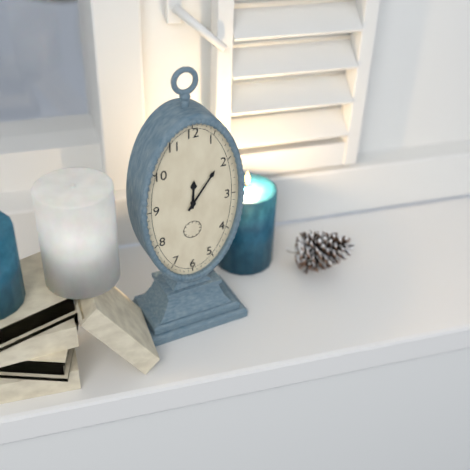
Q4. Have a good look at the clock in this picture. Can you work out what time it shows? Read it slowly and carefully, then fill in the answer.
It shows 12:06
